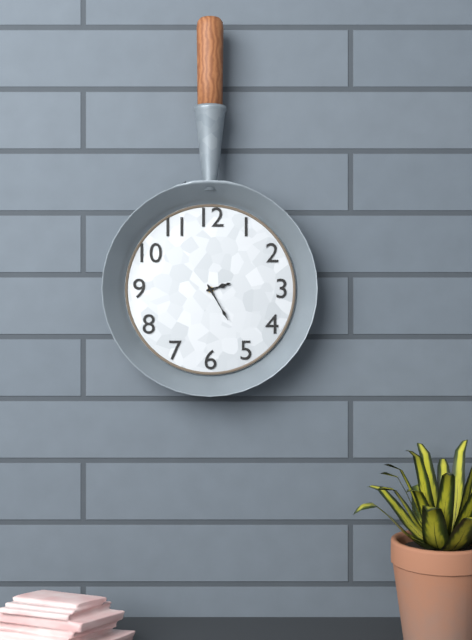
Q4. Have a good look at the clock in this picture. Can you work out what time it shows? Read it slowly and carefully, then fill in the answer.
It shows 2:25
